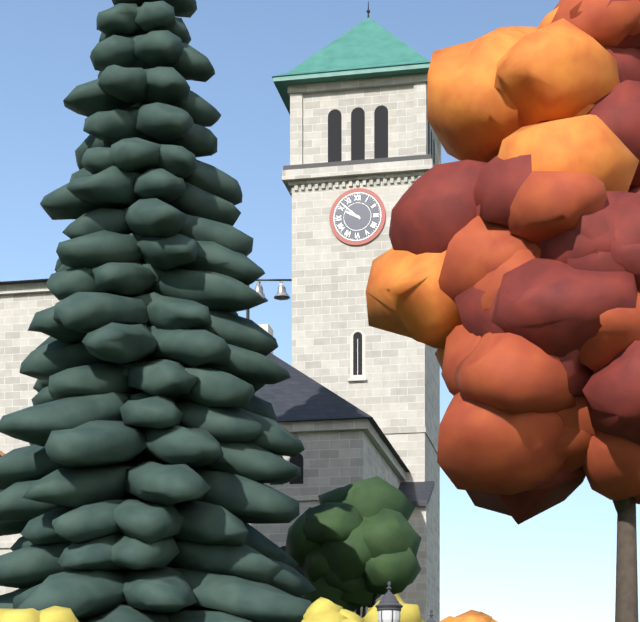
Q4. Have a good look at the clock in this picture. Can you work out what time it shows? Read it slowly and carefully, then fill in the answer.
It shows 9:52
